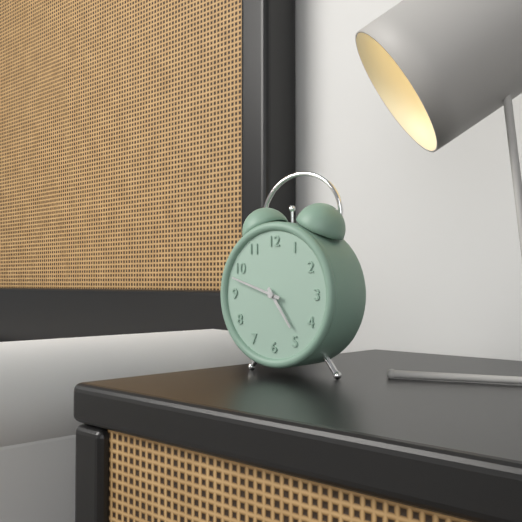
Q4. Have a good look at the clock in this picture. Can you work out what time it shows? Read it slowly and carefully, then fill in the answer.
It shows 4:48
